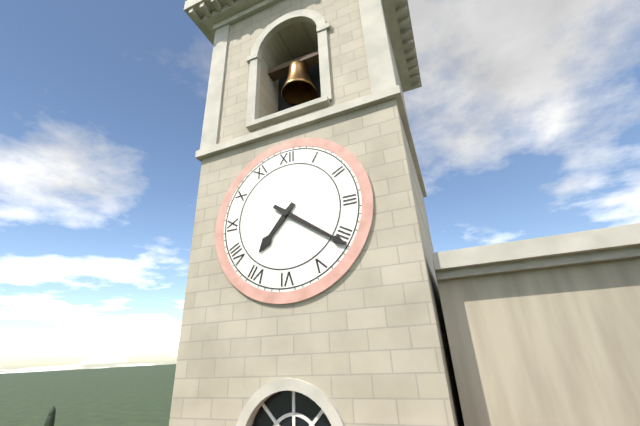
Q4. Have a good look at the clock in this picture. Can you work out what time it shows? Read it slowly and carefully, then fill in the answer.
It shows 7:21
